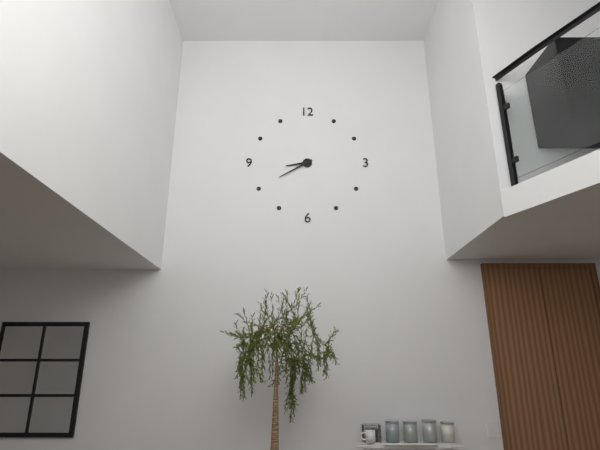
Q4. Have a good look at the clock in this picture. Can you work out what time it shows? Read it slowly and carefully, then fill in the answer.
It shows 8:40
